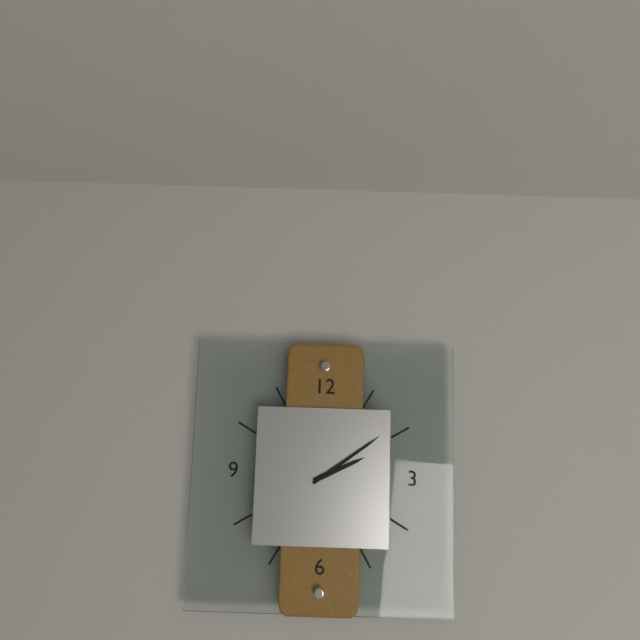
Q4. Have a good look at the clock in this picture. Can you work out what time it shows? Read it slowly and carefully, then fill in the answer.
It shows 2:09
